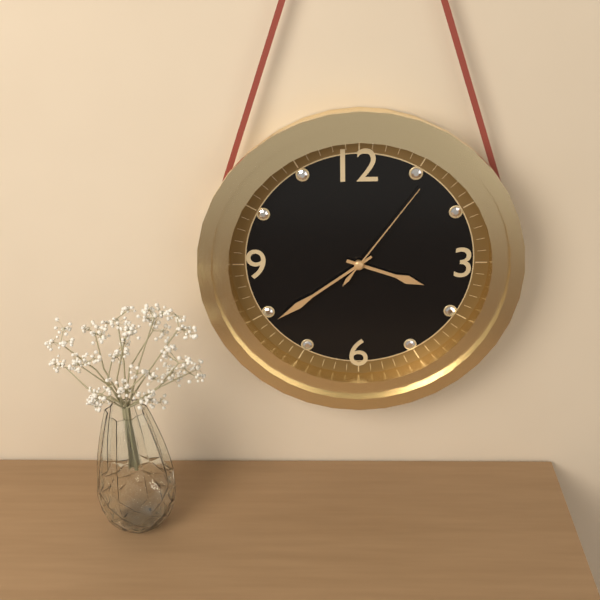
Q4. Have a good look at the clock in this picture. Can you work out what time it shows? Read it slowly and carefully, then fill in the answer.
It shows 3:39:06
